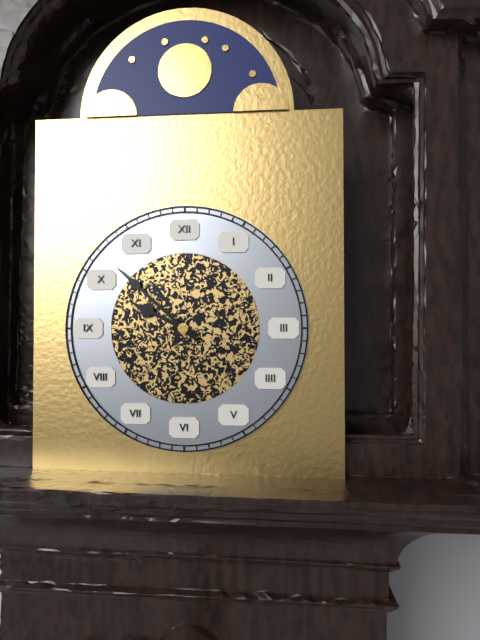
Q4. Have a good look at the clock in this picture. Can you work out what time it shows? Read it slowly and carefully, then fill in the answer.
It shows 9:52
